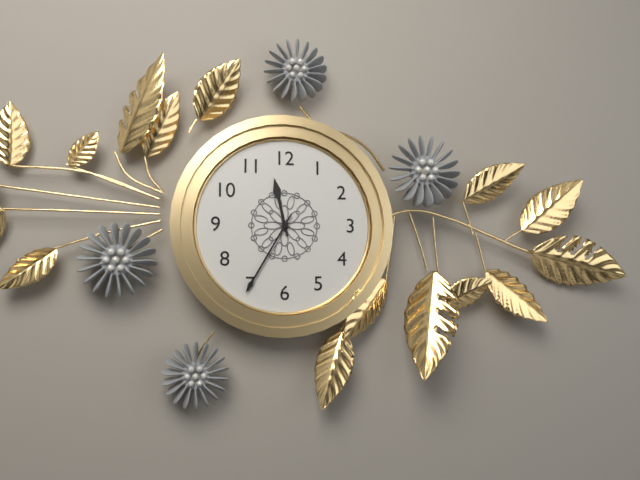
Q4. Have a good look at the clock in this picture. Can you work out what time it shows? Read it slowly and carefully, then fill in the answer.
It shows 11:35
